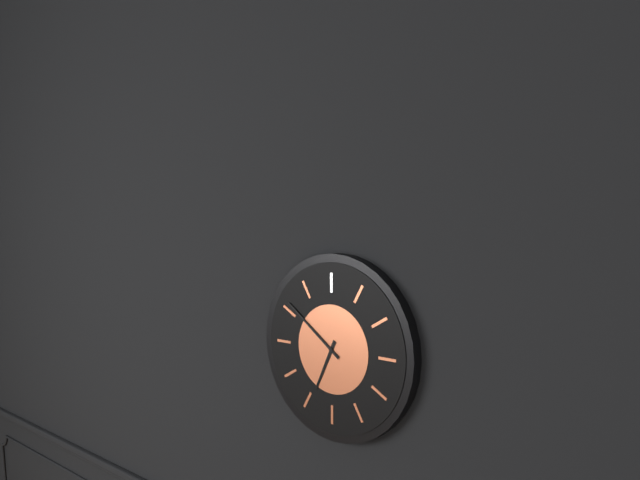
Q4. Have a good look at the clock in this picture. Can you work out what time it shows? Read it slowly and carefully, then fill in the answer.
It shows 6:51
